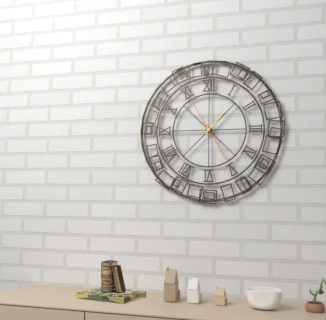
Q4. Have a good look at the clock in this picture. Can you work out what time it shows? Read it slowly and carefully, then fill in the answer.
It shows 1:25
